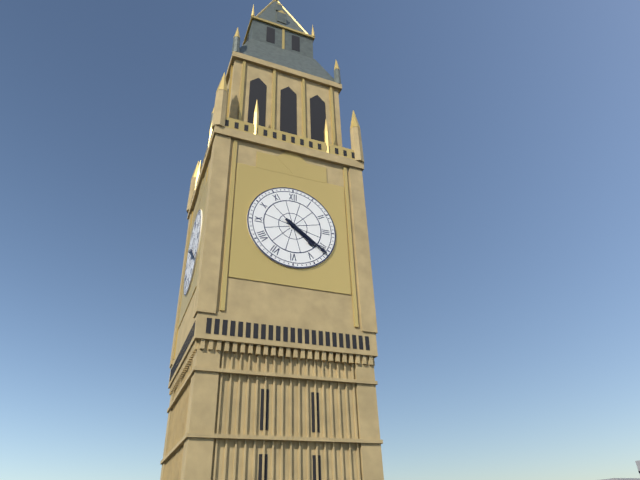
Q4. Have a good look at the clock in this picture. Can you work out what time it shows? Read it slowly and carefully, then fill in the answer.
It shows 4:21
